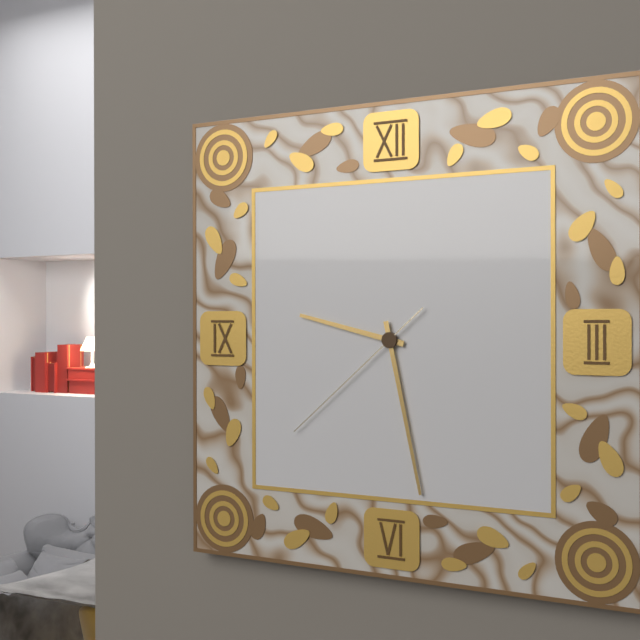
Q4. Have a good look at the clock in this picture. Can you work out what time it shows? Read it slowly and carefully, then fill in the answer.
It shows 9:28:38
